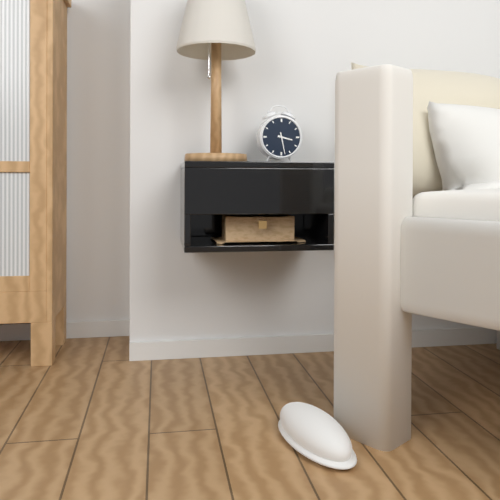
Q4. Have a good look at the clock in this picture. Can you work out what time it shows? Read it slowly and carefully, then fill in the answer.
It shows 3:28
